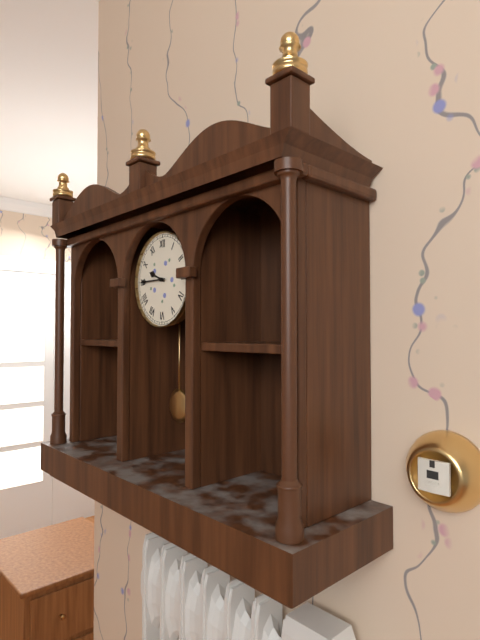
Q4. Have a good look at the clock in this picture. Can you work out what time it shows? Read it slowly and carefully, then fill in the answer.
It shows 9:45
